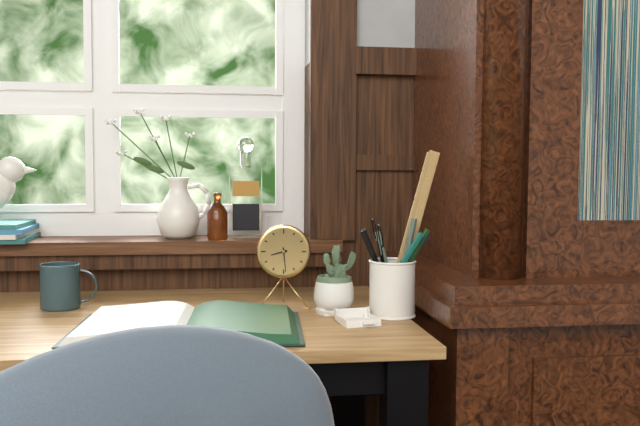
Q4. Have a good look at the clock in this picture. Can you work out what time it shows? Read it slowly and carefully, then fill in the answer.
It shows 8:29
